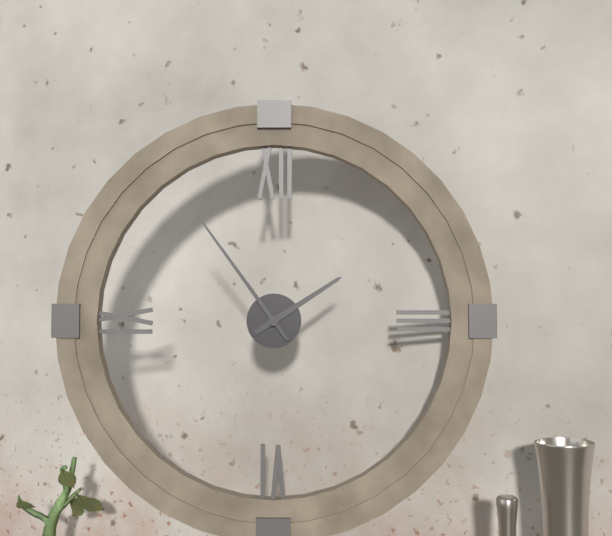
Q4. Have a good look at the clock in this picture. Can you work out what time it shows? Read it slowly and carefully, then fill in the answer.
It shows 1:54
